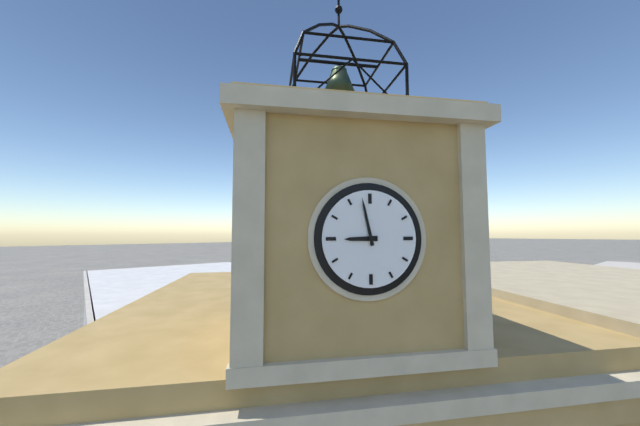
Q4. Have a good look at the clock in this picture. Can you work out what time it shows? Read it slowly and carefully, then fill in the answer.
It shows 8:58
